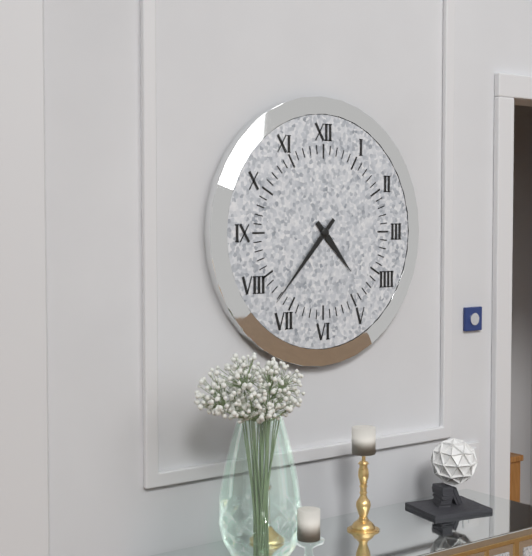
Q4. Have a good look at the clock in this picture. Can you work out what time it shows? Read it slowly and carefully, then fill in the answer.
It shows 4:37
